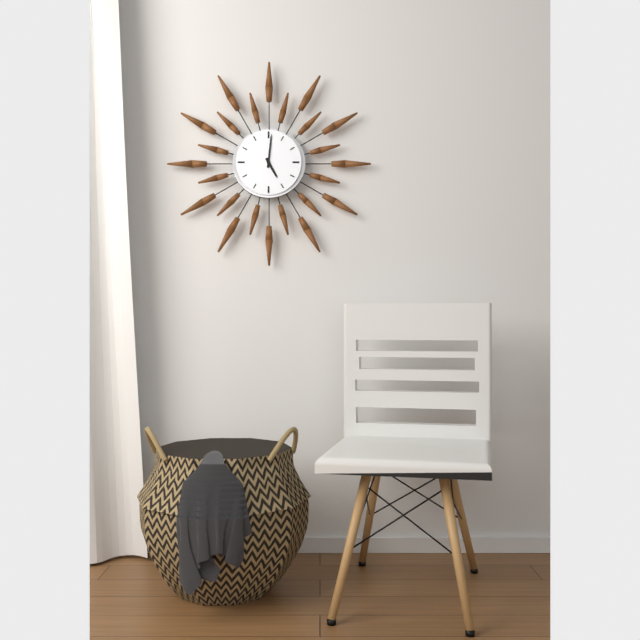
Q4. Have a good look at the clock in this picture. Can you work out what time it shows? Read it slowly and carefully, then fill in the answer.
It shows 5:01
